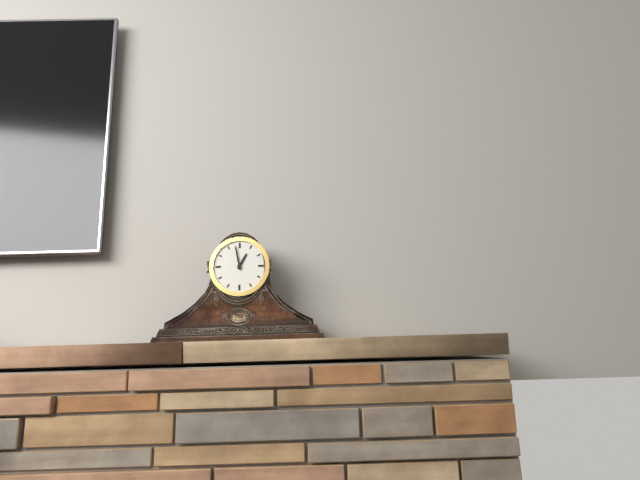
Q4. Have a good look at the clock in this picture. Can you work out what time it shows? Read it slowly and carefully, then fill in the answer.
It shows 12:58
